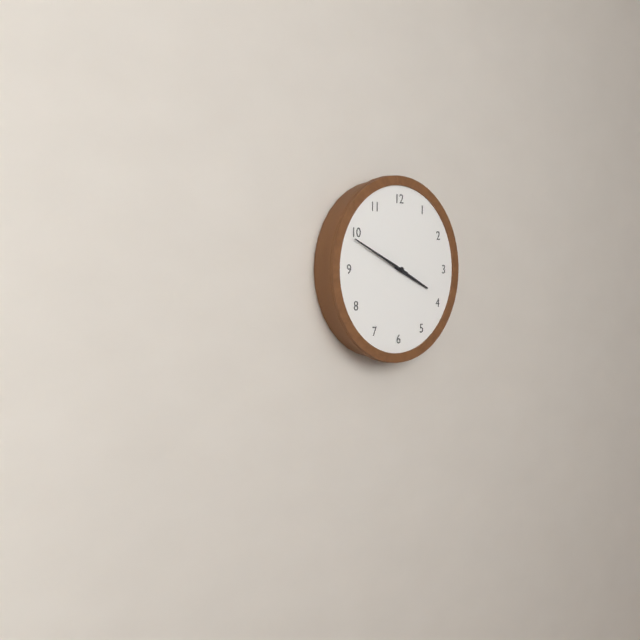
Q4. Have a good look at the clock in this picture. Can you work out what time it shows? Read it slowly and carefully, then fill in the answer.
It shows 3:49
